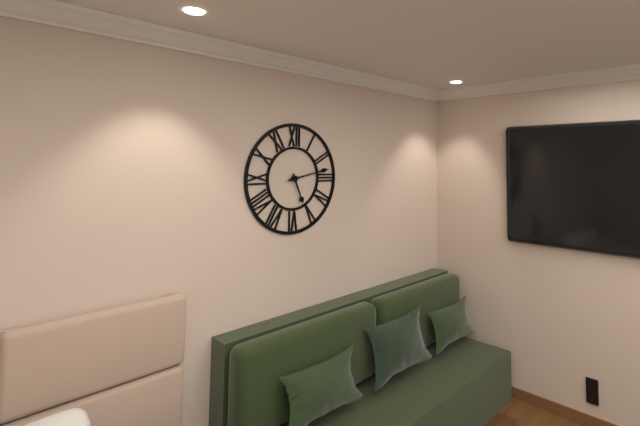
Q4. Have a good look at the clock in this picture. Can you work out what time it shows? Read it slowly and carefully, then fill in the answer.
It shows 5:13
